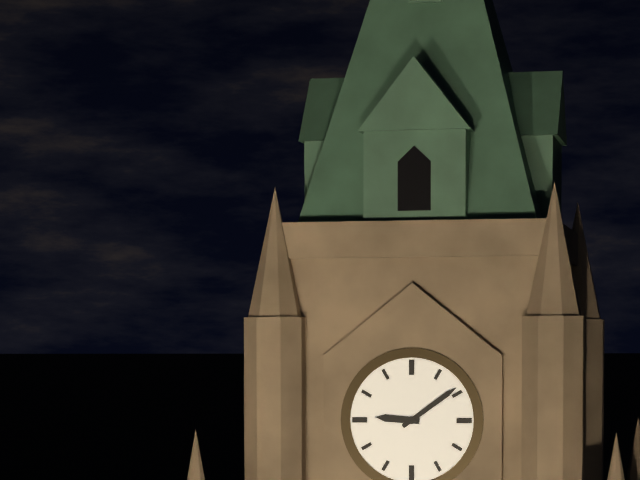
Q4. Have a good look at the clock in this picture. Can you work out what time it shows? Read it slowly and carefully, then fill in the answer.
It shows 9:09
